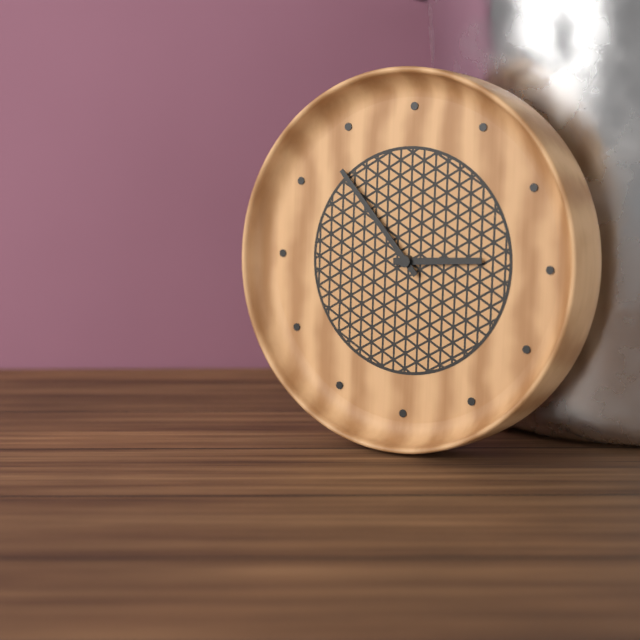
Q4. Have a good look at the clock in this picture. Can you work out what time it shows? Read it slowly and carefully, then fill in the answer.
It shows 2:53
